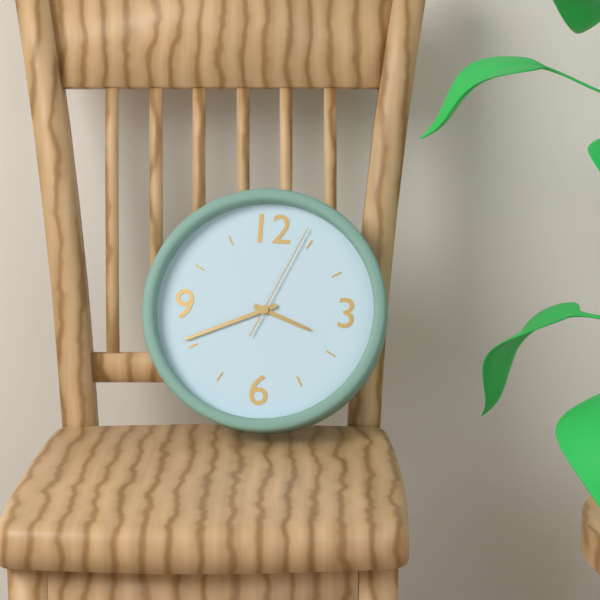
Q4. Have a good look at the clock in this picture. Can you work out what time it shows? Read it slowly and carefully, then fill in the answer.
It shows 3:41:04
